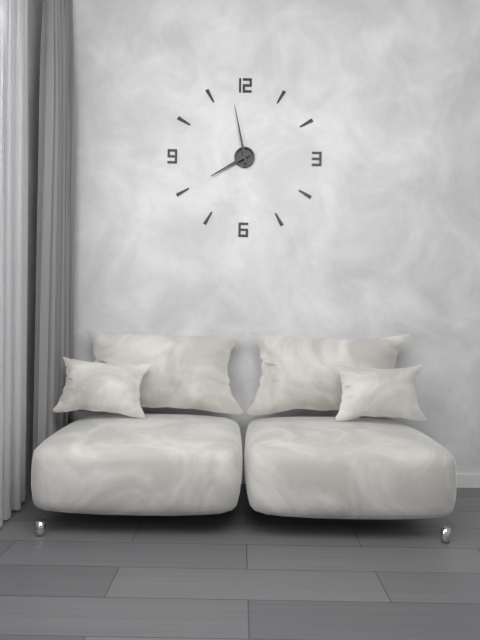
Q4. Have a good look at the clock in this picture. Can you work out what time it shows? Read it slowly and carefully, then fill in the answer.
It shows 7:58
